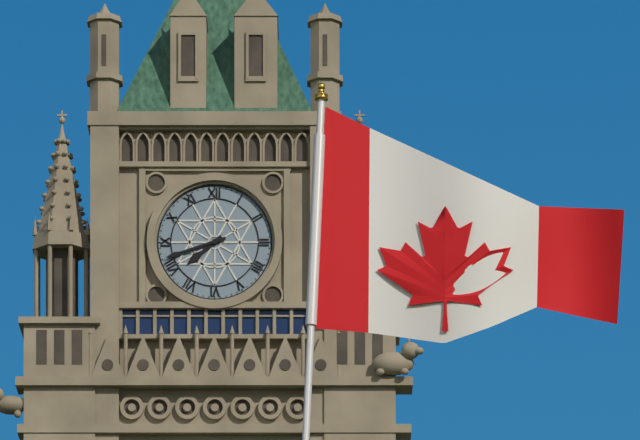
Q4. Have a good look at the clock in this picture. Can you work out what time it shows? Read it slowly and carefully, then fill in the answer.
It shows 7:42
